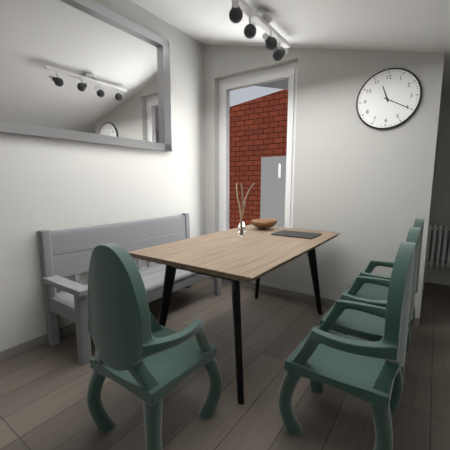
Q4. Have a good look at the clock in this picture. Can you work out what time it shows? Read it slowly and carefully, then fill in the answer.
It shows 11:20
